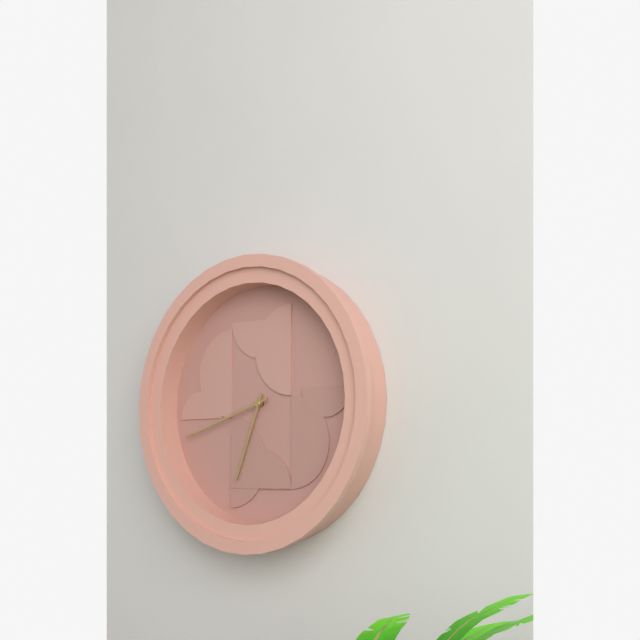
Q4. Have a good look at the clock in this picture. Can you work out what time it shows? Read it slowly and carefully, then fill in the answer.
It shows 6:42
